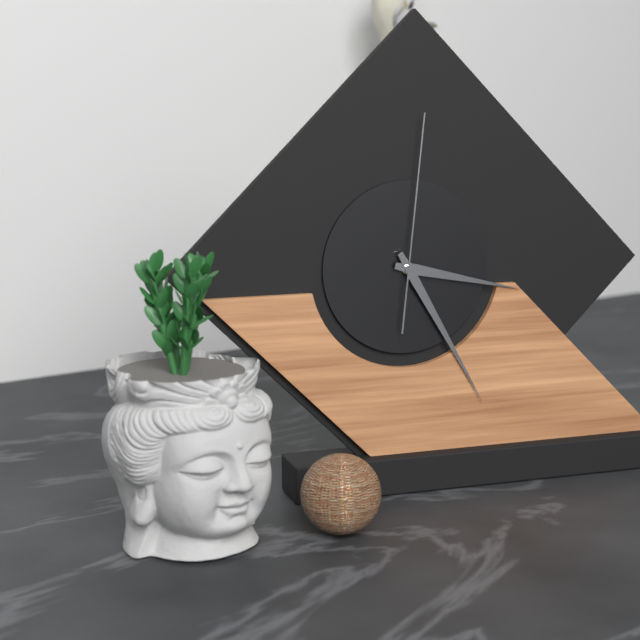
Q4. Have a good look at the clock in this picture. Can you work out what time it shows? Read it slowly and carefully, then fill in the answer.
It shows 3:25:01
